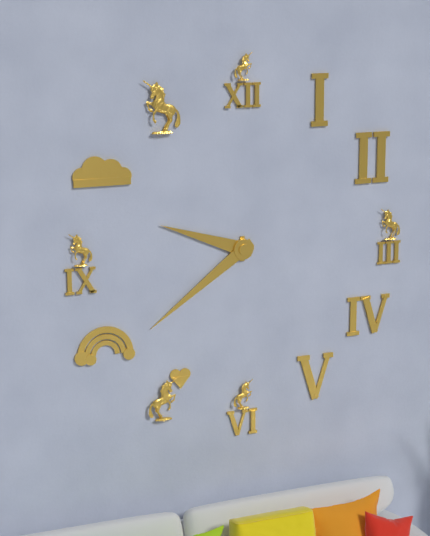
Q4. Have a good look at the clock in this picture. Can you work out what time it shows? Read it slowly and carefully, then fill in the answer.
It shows 9:39
